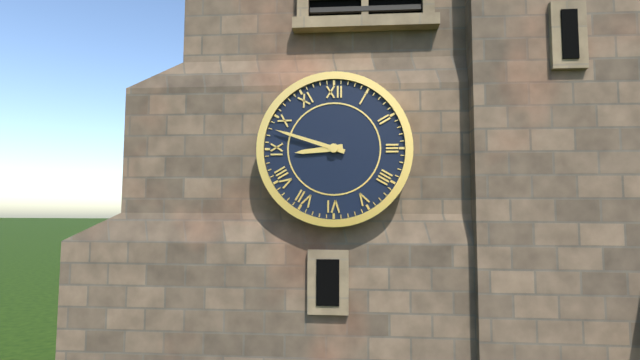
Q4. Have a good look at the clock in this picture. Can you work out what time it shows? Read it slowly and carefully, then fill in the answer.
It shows 8:48
